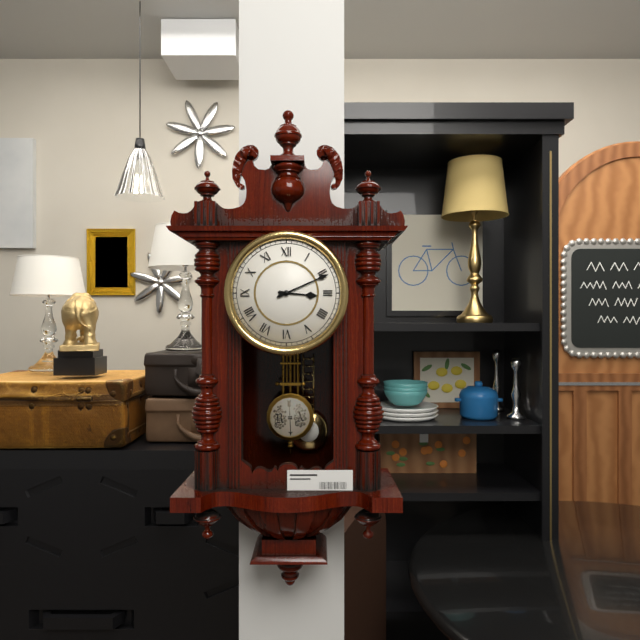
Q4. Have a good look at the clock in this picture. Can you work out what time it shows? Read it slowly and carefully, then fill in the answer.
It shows 3:11
